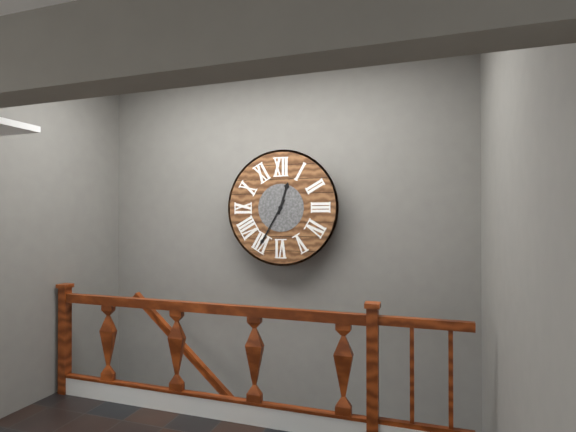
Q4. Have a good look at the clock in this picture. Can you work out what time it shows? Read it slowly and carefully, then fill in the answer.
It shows 12:35
